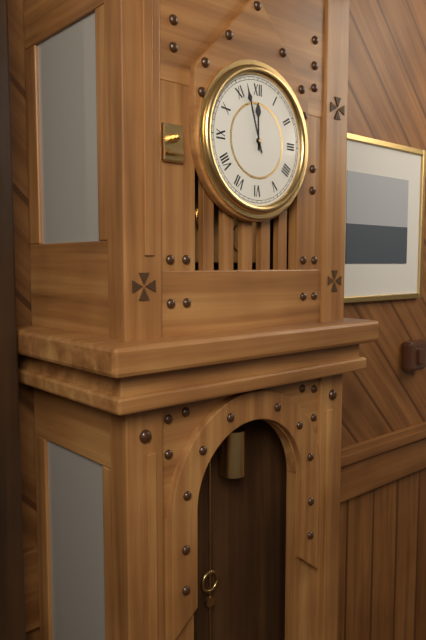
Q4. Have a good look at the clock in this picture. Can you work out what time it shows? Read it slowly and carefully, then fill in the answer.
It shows 11:57
